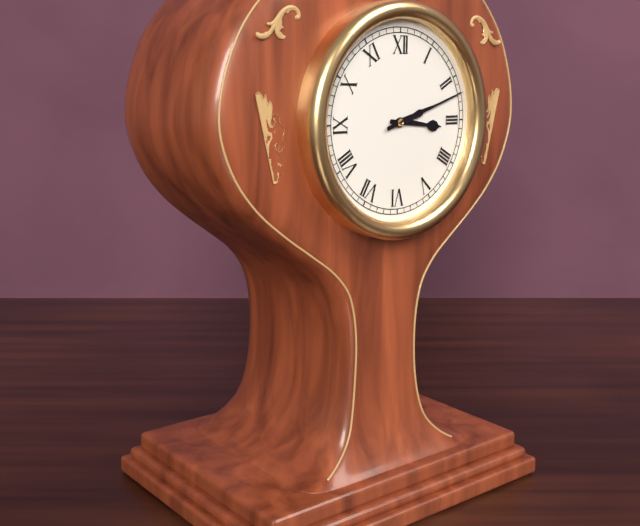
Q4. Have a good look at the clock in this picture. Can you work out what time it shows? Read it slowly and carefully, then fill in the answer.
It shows 3:12
